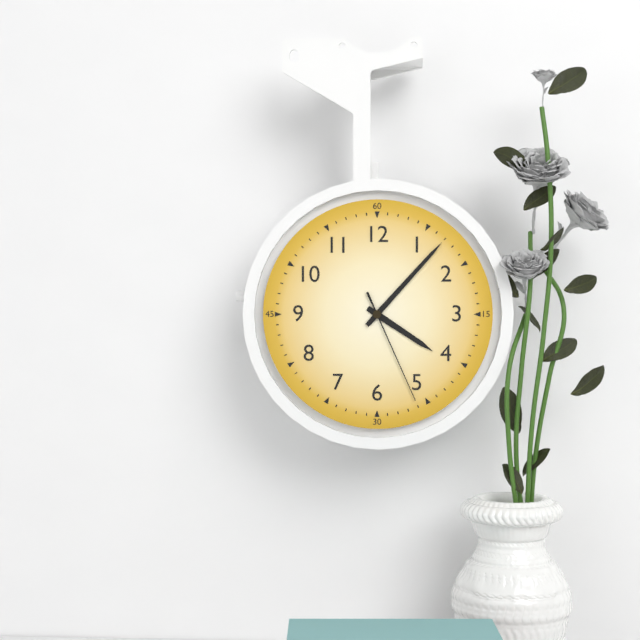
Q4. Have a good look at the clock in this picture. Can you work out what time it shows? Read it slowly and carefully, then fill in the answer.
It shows 4:07:26
